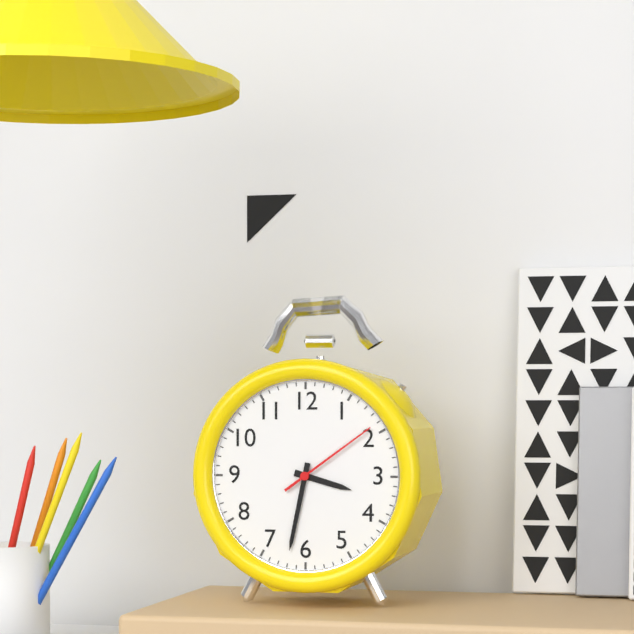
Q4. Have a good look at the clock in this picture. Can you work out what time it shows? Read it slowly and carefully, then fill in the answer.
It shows 3:32:09
